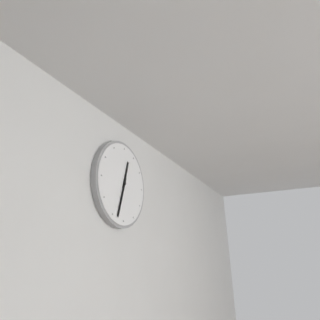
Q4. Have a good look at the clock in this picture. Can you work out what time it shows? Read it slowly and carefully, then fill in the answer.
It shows 12:33
